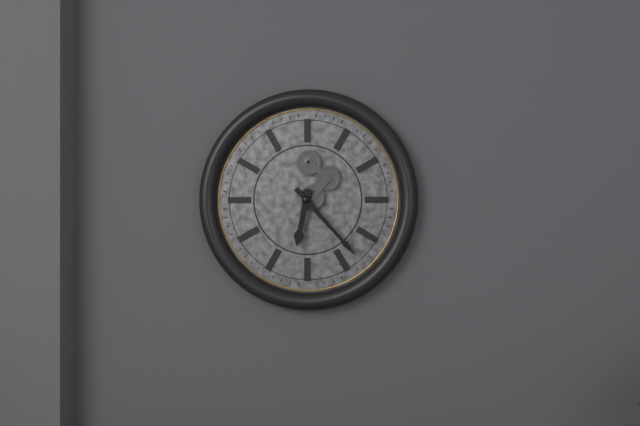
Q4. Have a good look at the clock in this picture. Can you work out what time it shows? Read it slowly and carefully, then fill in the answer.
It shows 6:23
